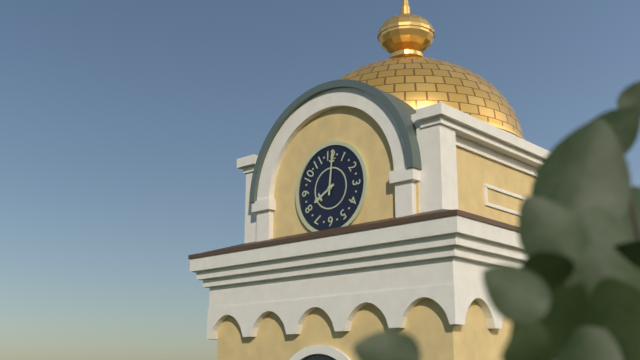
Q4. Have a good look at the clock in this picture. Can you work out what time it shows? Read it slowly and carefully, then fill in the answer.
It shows 8:01
